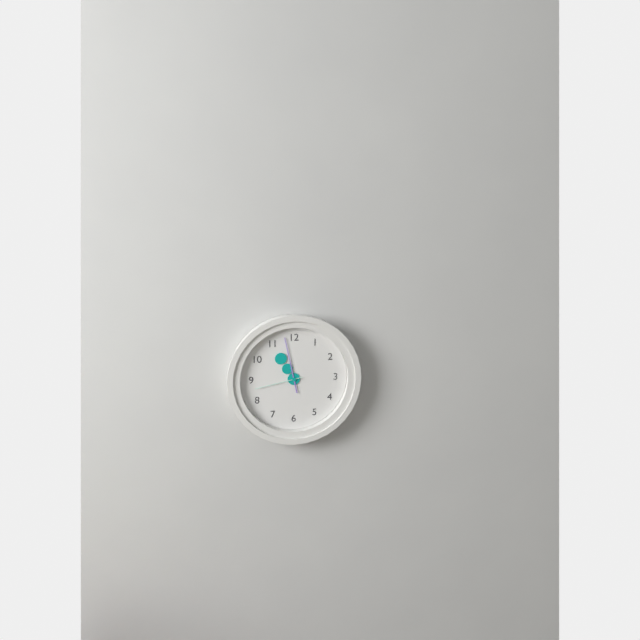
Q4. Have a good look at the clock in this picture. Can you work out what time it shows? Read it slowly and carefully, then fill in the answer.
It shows 10:58:43
